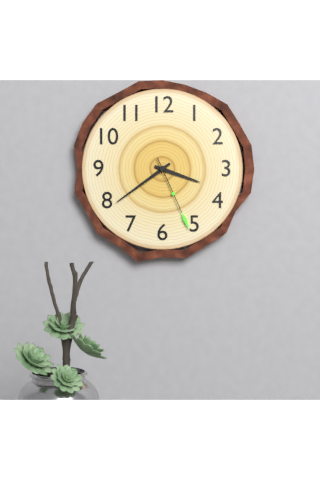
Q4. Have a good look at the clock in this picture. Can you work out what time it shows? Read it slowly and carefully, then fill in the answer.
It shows 3:39:26
